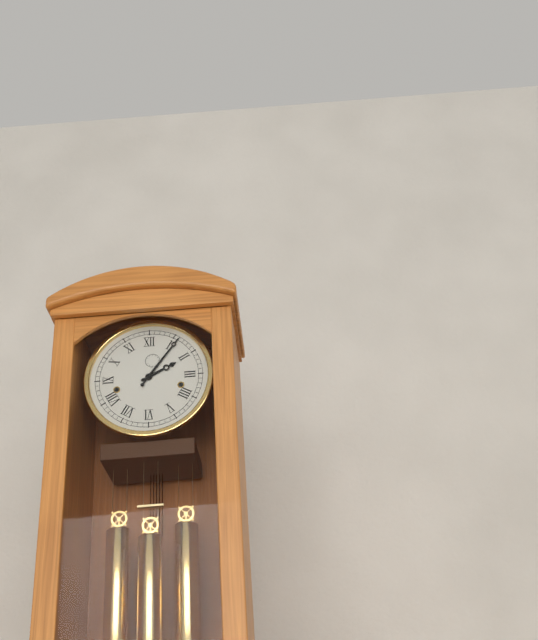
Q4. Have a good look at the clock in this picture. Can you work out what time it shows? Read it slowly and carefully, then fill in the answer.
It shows 2:06
